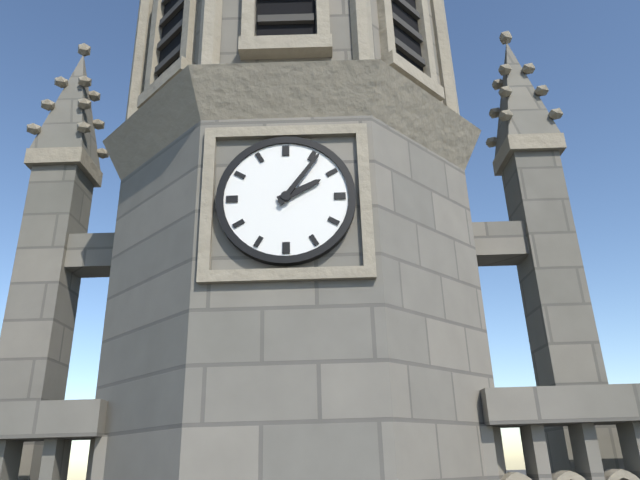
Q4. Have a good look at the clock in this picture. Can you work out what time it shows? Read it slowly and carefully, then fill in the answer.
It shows 2:06
